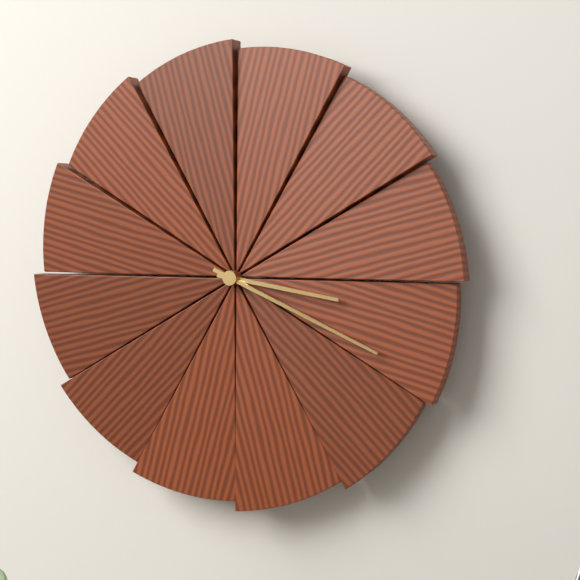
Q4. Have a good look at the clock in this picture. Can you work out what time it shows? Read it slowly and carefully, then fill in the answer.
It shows 3:19
